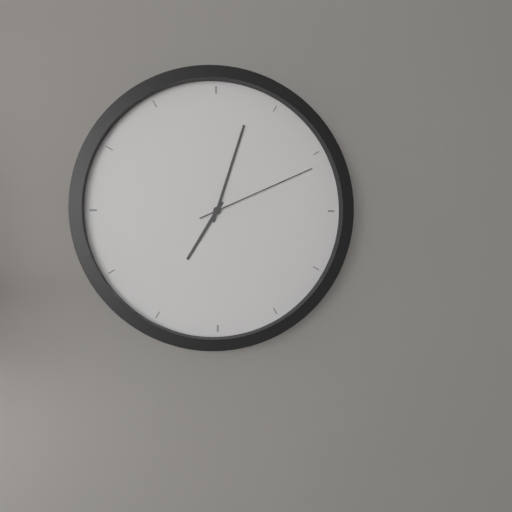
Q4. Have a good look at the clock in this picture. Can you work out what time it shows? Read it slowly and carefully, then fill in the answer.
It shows 7:03:11
